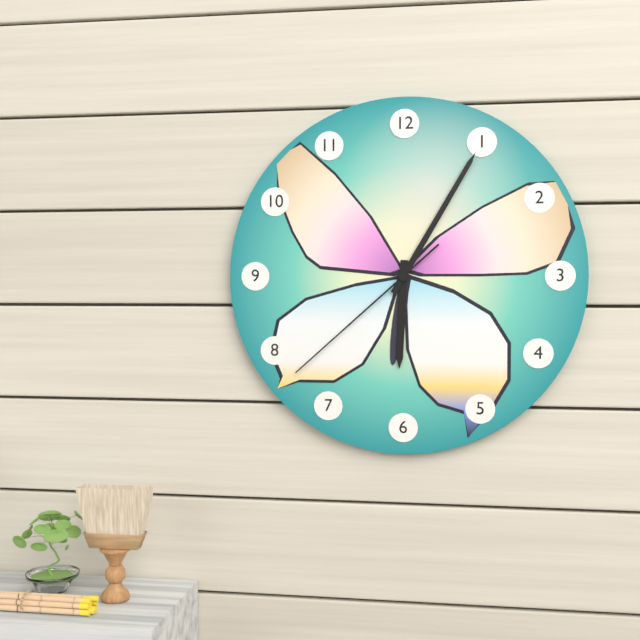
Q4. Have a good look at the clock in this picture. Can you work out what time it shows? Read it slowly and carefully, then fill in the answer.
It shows 6:05:38
